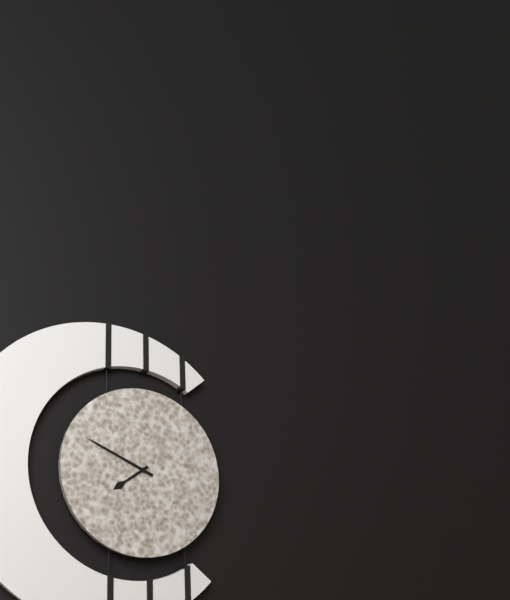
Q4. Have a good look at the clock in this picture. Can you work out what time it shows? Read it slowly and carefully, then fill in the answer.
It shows 7:49
